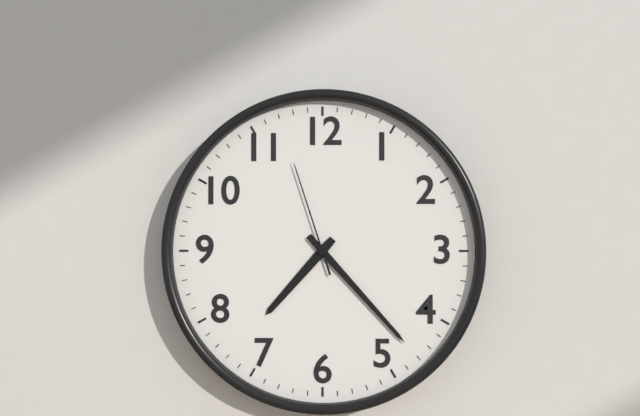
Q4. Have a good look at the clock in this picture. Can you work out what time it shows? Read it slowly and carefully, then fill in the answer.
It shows 7:23:57
